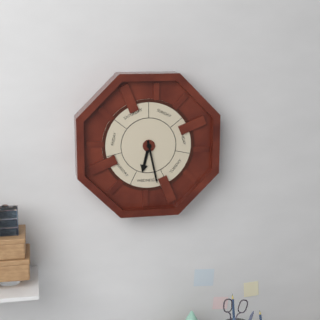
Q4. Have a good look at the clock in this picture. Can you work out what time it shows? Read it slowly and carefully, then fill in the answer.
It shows 6:28
